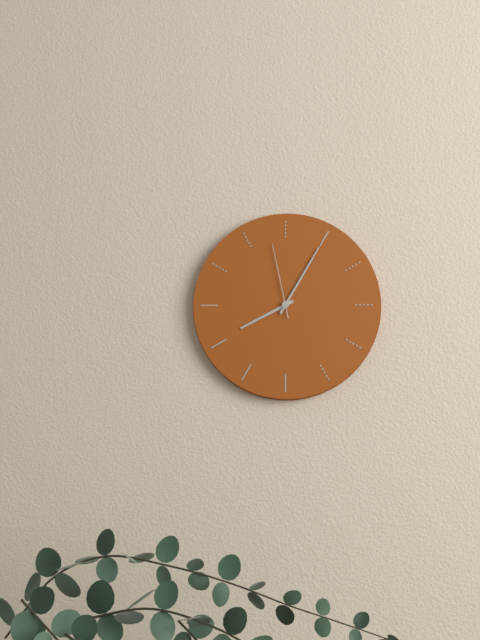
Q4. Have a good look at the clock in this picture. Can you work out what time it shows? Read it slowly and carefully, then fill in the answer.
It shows 8:05:58
